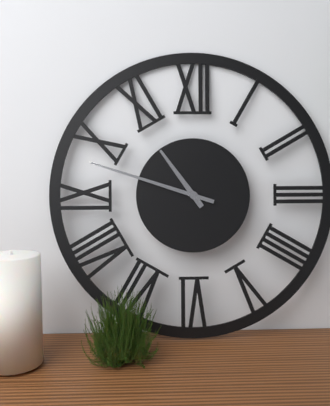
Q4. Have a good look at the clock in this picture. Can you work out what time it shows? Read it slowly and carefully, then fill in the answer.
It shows 10:48
